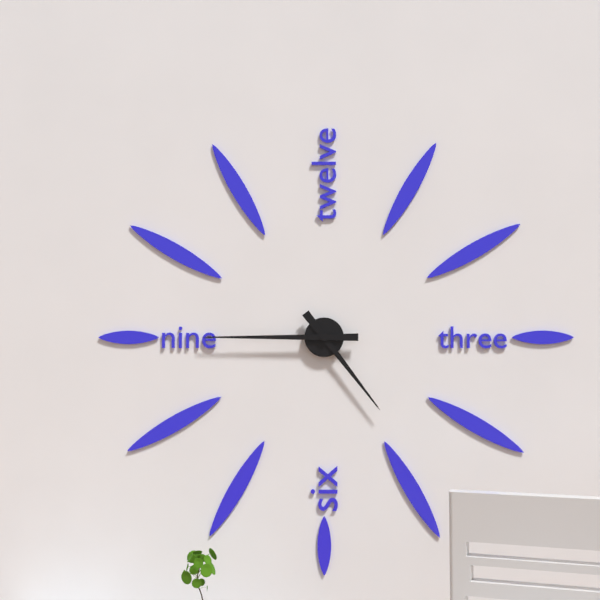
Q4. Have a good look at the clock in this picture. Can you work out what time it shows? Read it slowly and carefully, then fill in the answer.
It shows 4:45
